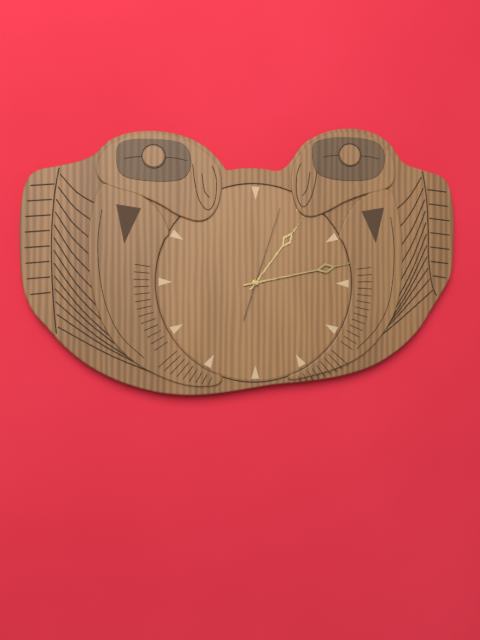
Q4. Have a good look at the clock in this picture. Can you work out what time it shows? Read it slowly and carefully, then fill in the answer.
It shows 1:13:03
